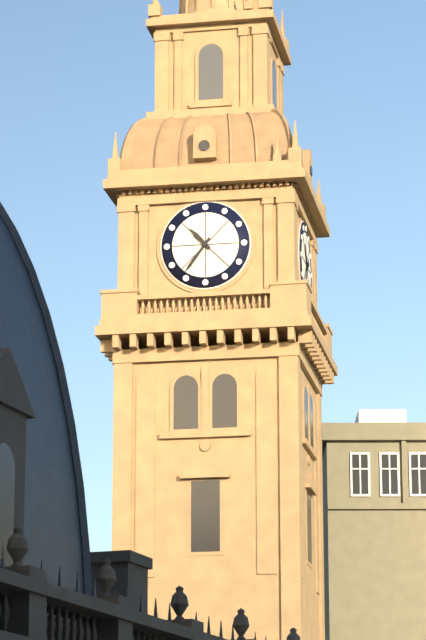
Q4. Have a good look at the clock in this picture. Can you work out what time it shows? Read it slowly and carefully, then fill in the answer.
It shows 10:36
